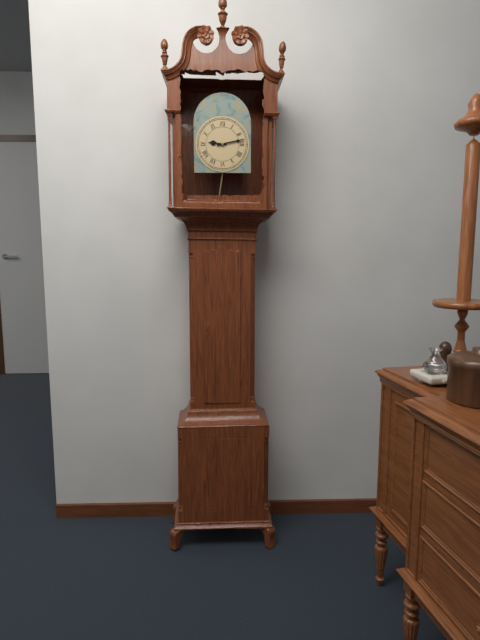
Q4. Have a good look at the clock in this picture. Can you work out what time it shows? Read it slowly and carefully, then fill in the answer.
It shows 9:13
